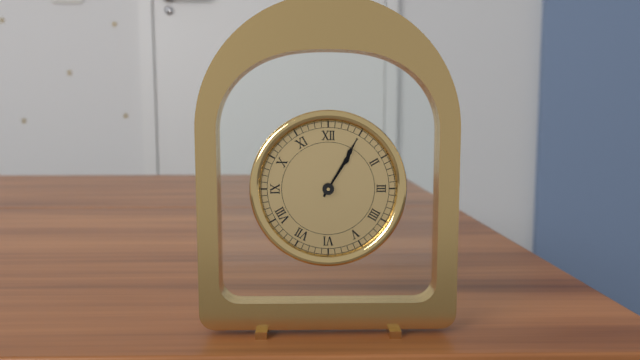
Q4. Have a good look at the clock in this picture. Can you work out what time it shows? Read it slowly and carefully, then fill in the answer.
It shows 1:05
